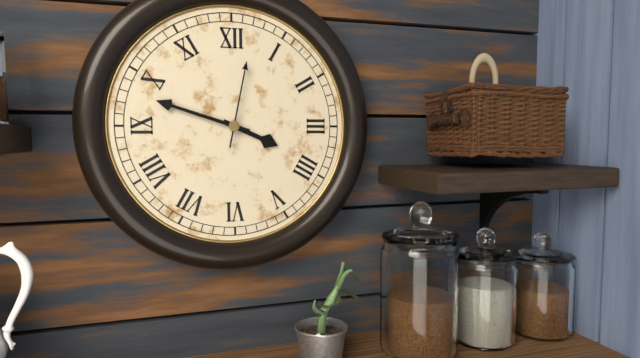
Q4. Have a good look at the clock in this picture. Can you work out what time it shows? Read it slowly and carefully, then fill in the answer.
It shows 3:48:02
